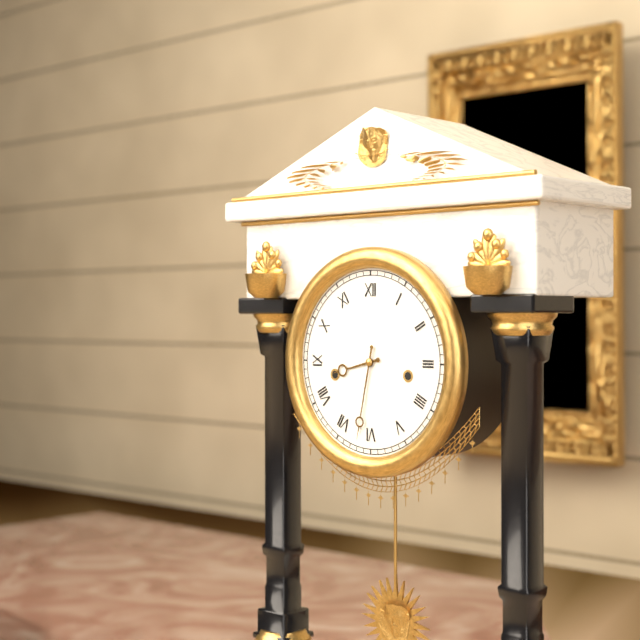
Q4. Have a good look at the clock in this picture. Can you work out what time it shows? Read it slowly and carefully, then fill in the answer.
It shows 8:32
